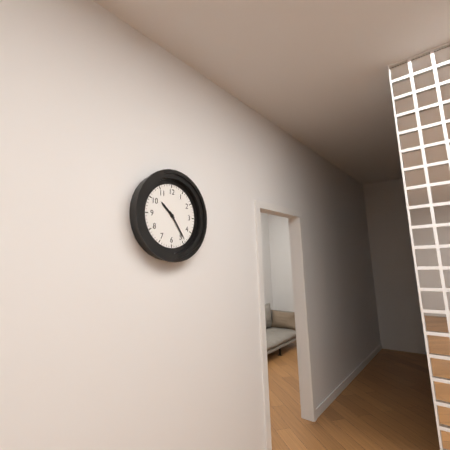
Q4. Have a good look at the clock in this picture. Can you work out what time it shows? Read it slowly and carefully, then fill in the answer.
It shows 10:24
